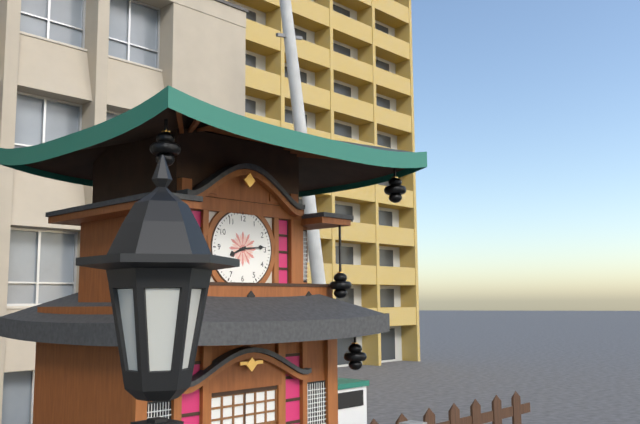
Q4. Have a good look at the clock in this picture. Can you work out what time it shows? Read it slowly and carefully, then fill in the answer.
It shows 8:14
